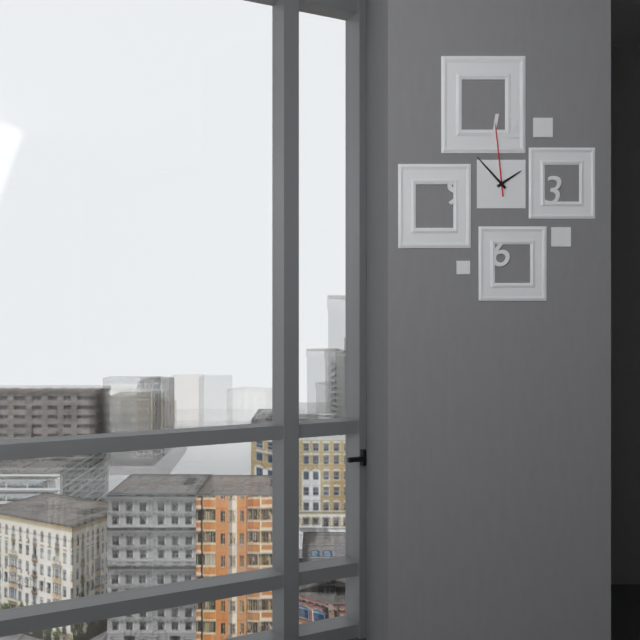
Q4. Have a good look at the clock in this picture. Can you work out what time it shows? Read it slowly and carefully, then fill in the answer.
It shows 1:53:59
